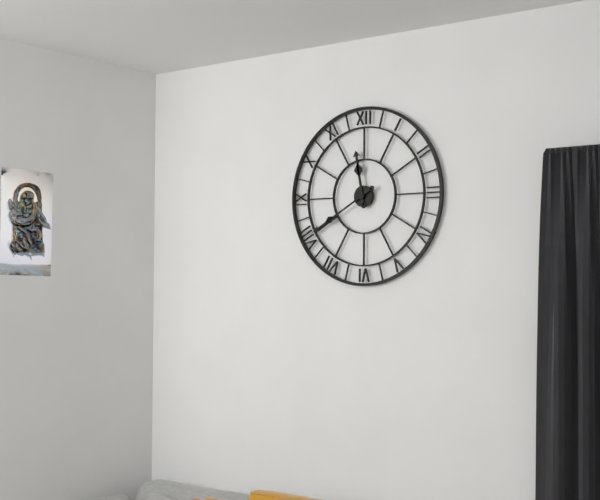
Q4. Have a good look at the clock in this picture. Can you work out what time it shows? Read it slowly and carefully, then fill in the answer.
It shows 11:40
